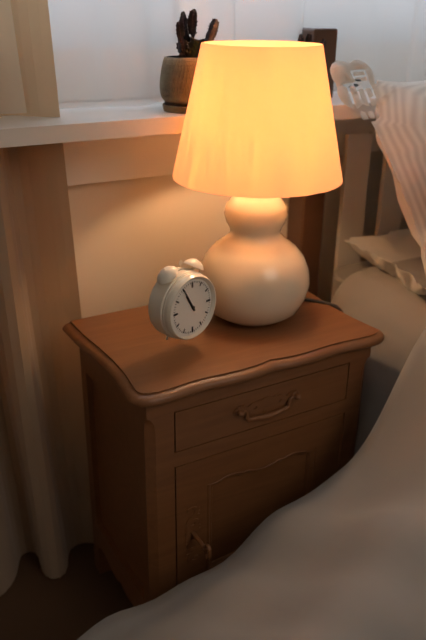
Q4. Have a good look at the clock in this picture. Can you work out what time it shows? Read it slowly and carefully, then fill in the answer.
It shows 10:55
